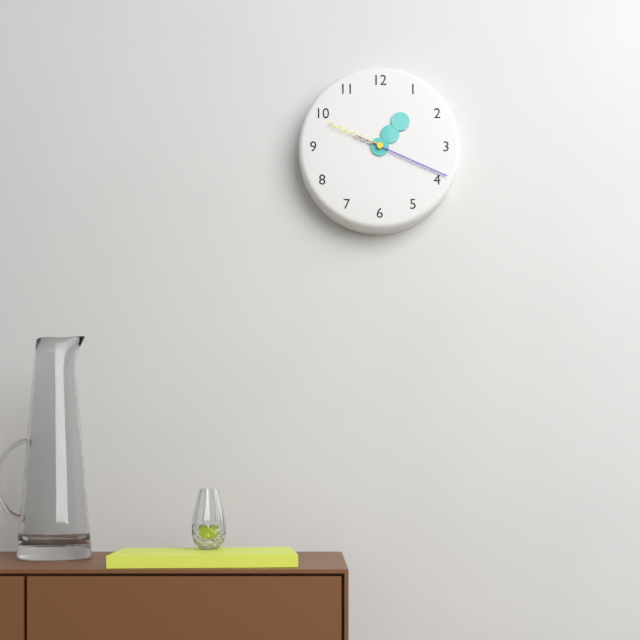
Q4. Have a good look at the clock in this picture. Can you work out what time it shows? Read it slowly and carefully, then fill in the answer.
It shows 1:19:49
